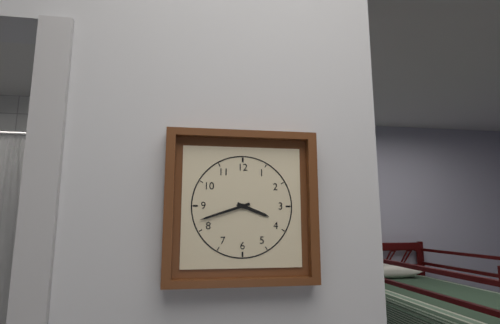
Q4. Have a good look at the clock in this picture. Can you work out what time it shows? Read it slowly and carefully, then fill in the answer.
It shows 3:42
